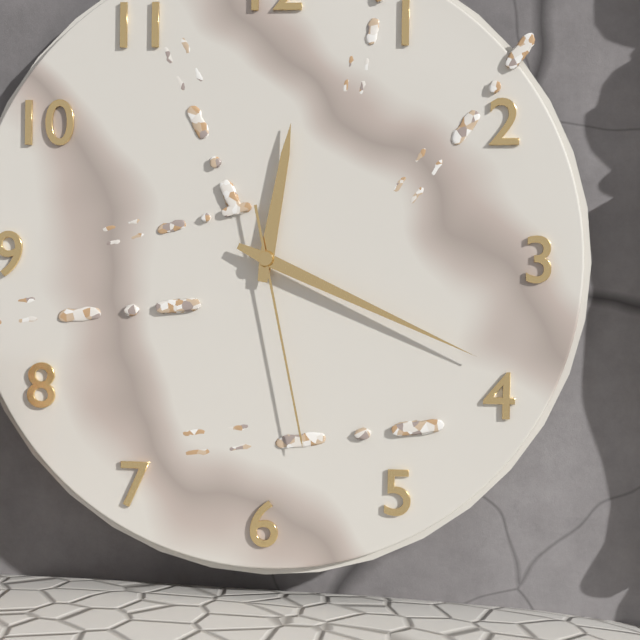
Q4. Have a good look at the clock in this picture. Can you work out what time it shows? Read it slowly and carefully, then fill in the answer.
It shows 12:19:28
